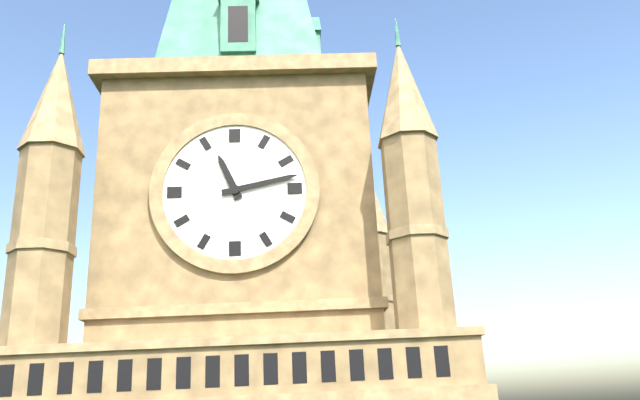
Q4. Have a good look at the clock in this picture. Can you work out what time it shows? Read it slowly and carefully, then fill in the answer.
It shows 11:13
